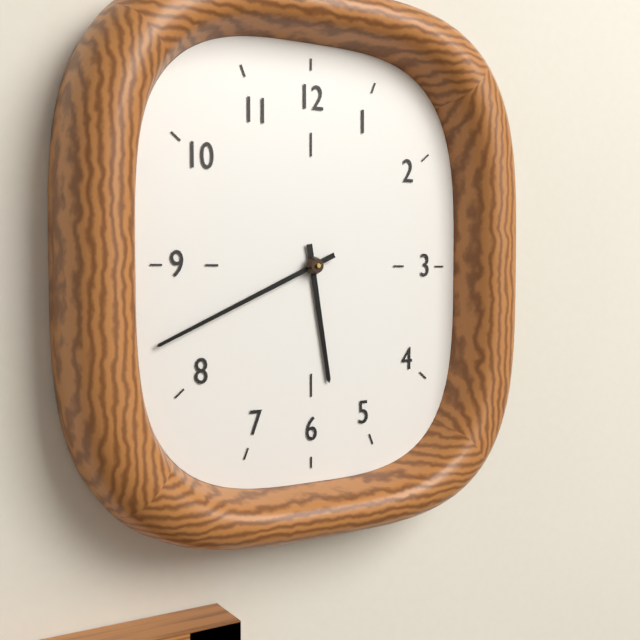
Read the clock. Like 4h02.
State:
5h41
